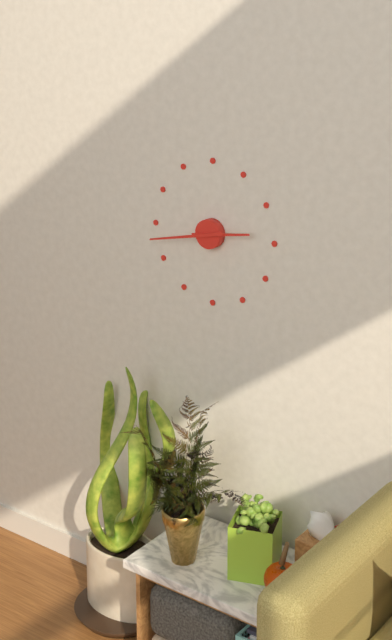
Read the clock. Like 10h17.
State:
2h43
